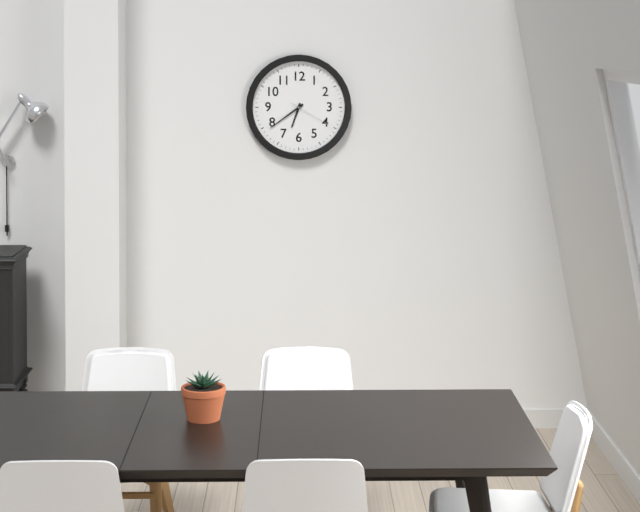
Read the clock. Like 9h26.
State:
6h39
